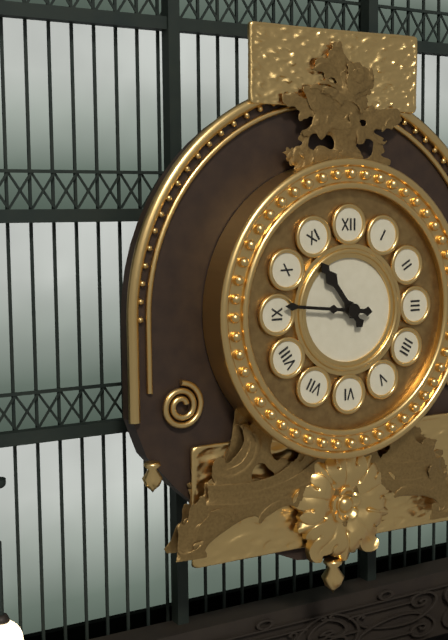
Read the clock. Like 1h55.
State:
10h46
